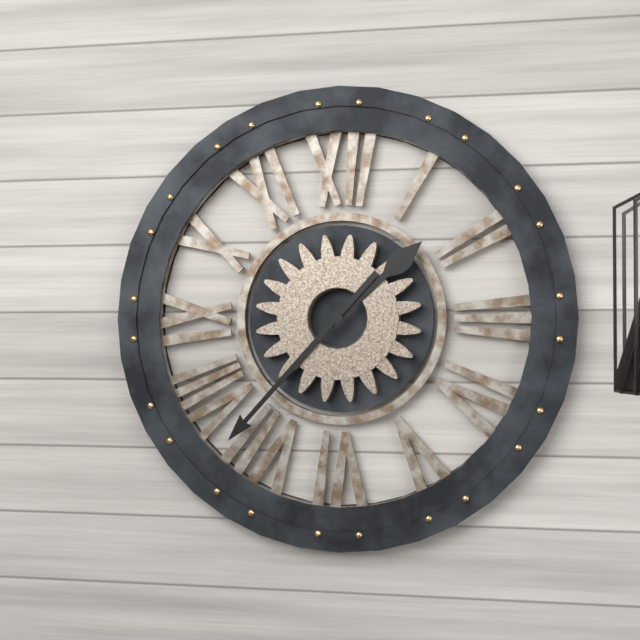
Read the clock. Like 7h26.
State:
1h37
